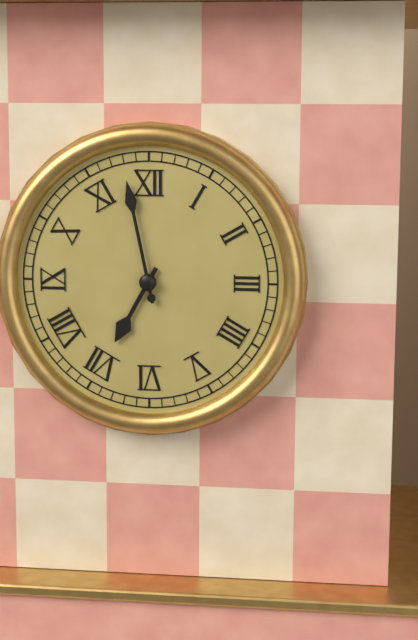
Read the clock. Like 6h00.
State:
6h58
